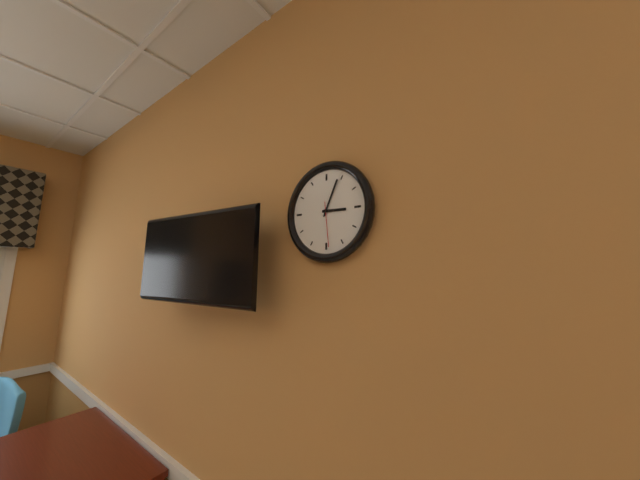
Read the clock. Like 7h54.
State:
3h04
